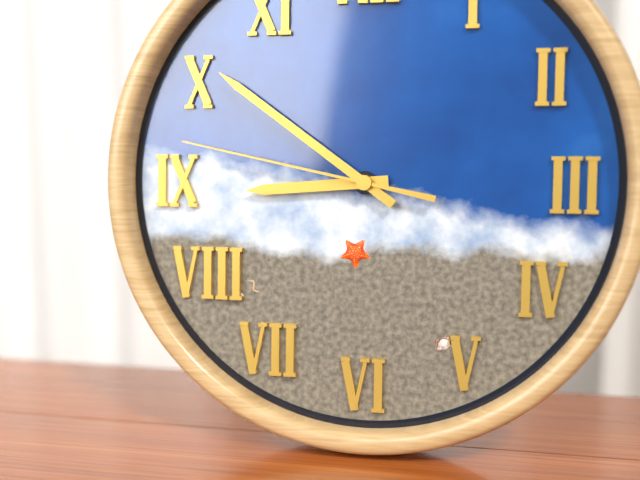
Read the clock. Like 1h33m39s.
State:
8h51m47s
